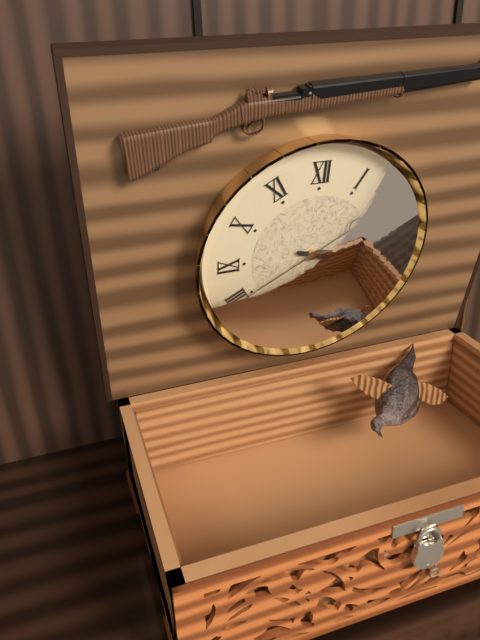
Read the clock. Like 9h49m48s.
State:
3h18m40s
